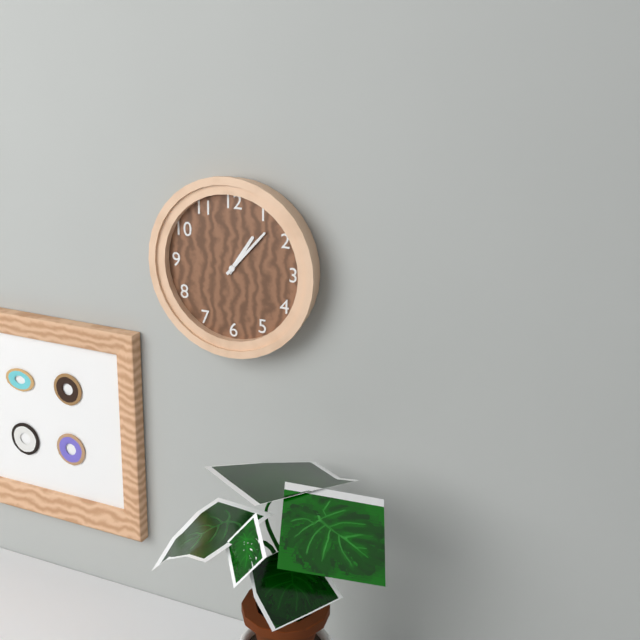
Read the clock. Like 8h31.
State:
1h07
